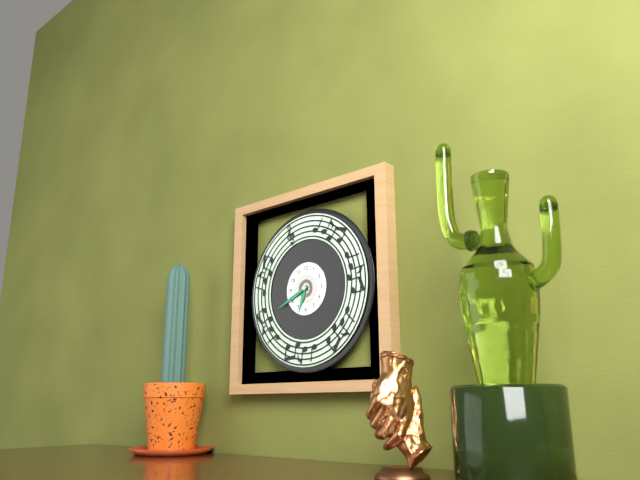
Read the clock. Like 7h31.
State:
6h41
